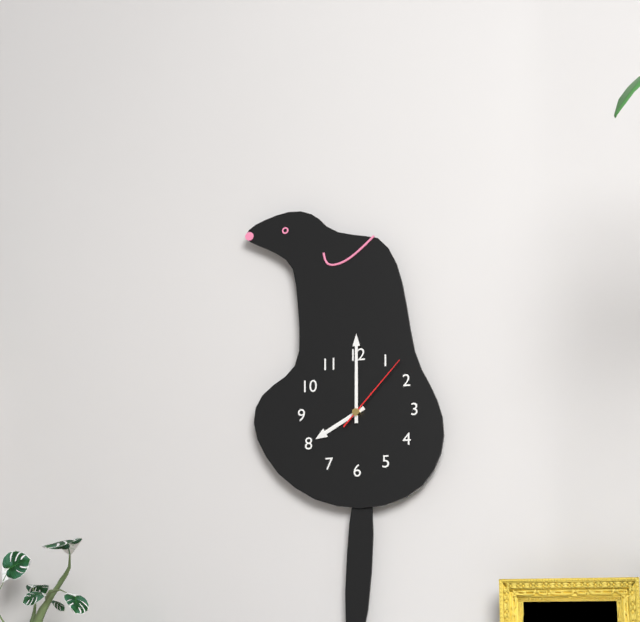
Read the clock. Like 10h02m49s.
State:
8h00m07s
